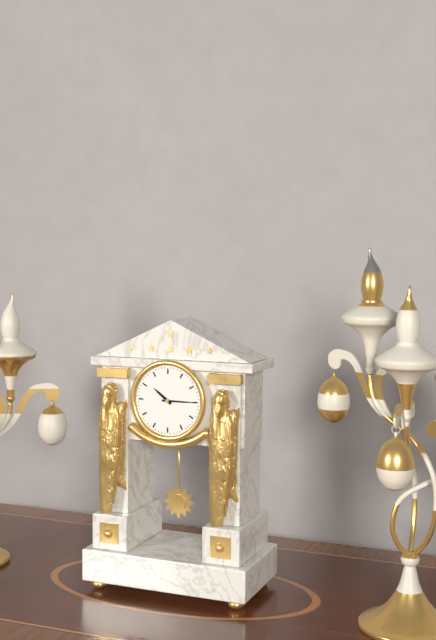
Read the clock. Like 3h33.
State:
10h15
